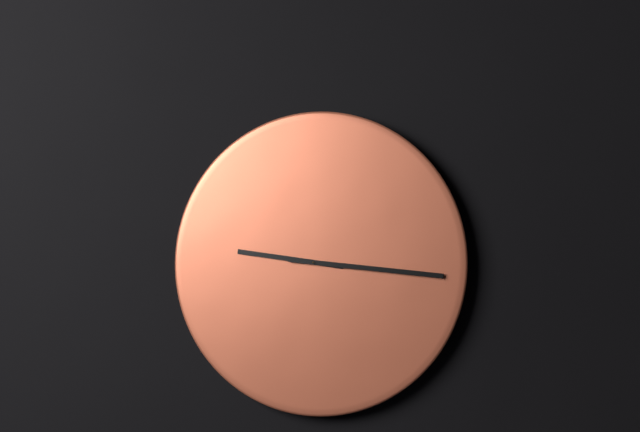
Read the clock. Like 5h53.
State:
9h16
